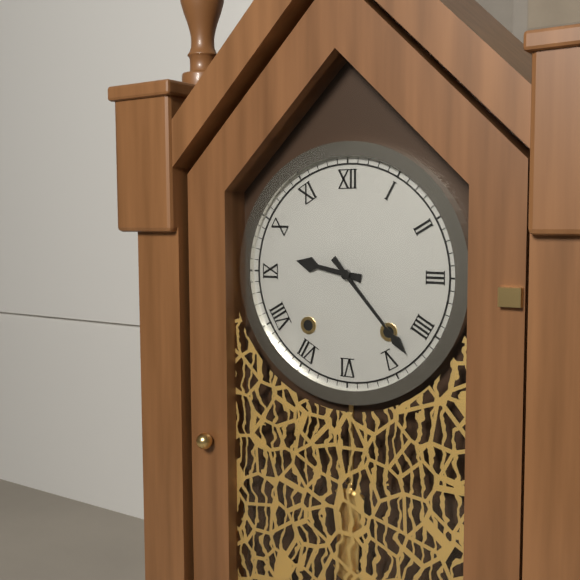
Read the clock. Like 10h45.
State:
9h23
